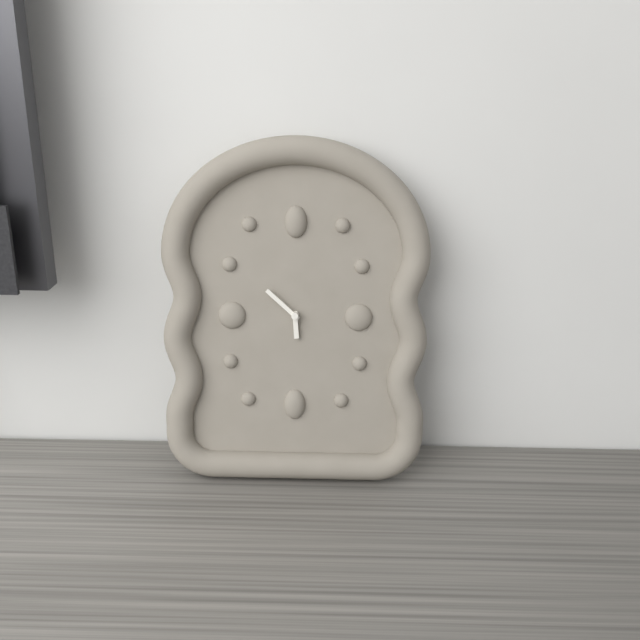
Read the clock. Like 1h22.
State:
5h52
